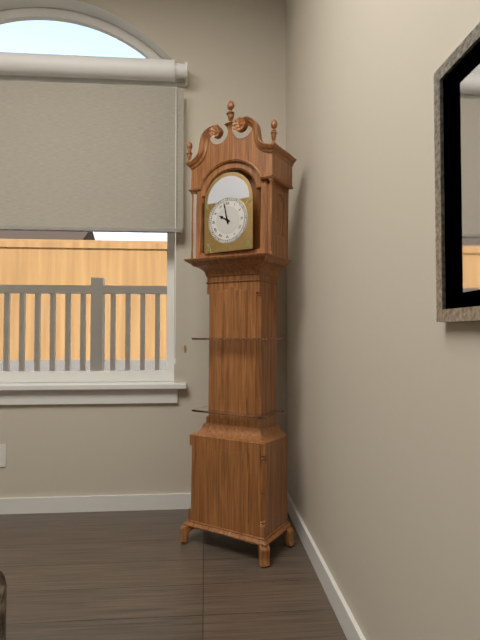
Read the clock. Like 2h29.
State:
9h58
